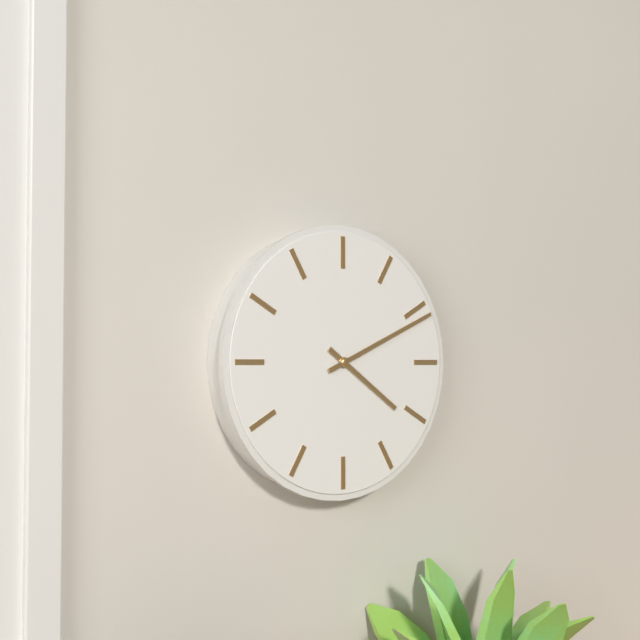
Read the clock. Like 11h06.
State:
4h11
